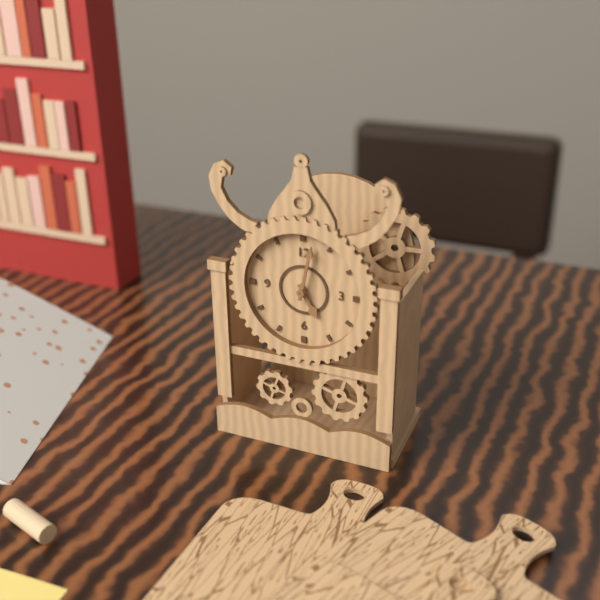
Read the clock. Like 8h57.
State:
5h02
